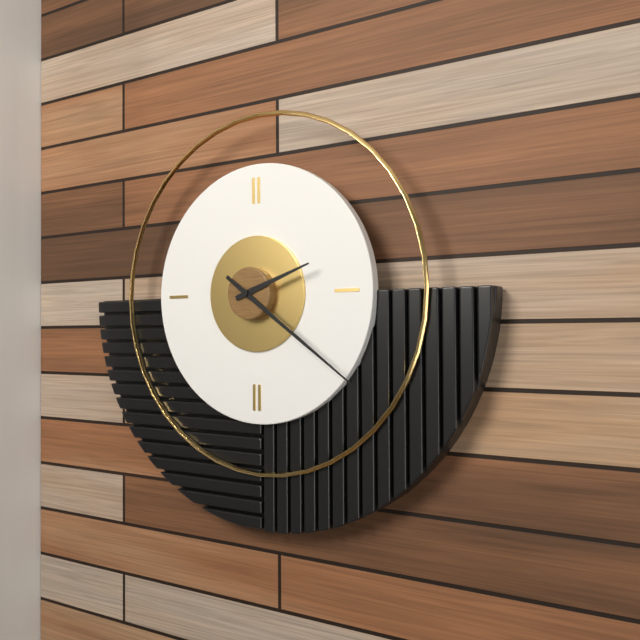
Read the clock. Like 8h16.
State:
2h21
